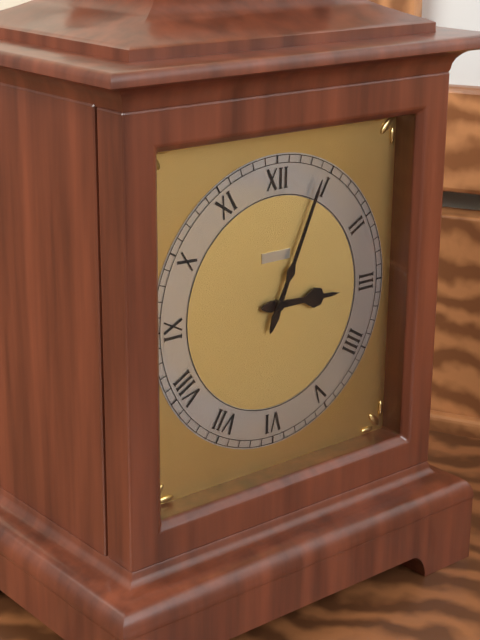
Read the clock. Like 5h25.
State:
3h04
